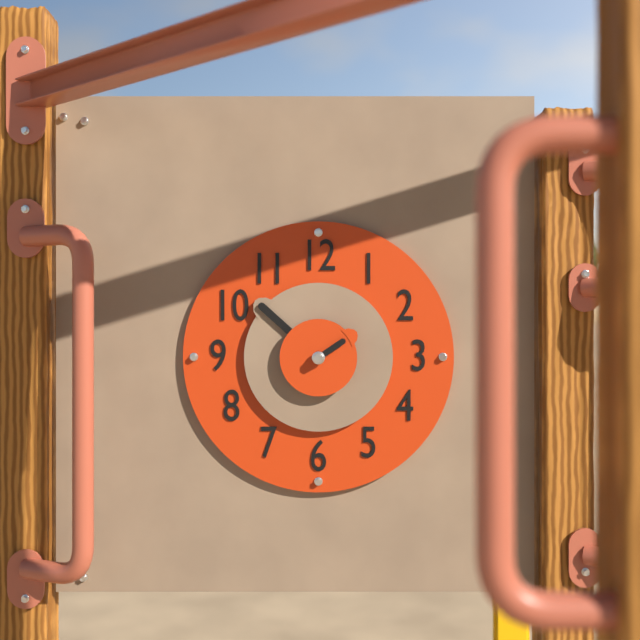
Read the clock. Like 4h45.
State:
1h52
